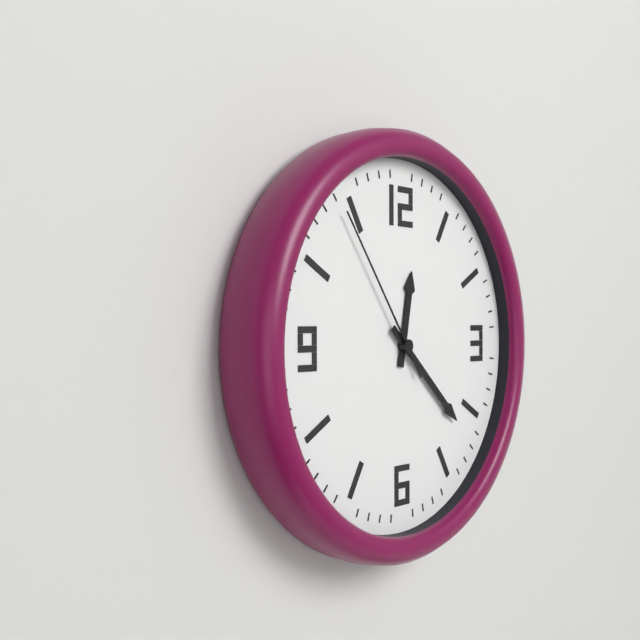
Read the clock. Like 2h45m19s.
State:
12h22m54s
